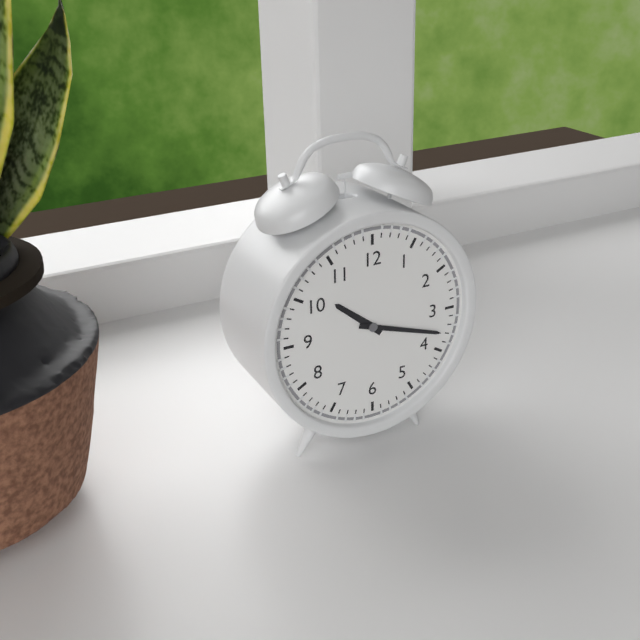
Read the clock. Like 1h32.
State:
10h18
